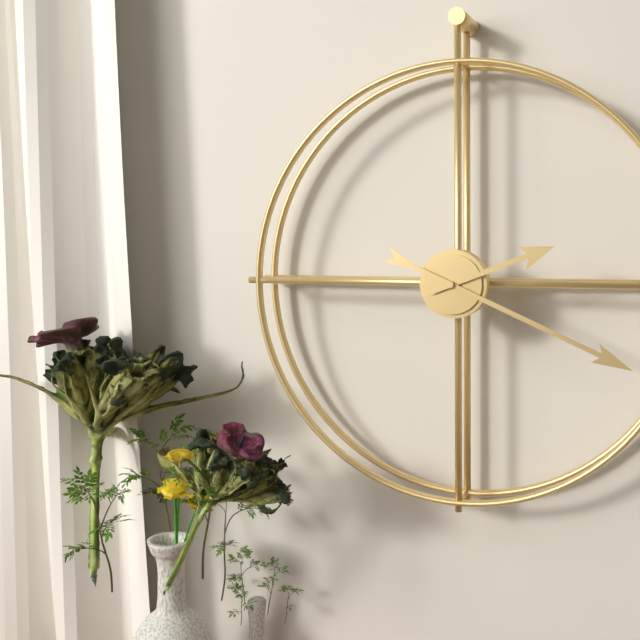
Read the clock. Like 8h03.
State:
2h19
